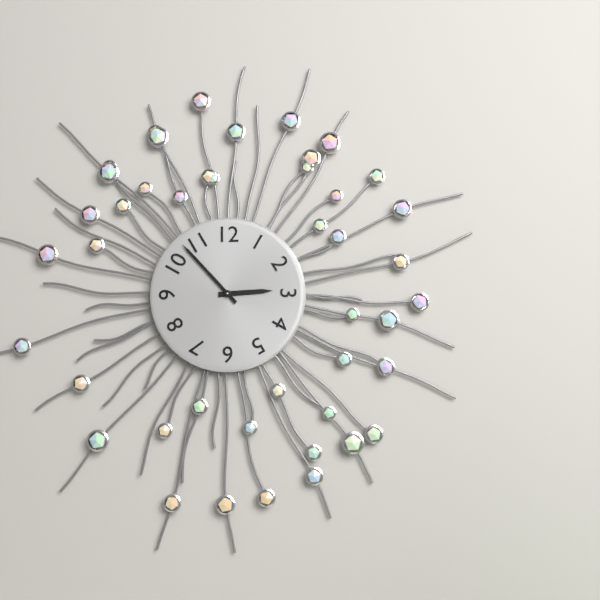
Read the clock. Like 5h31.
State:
2h53
